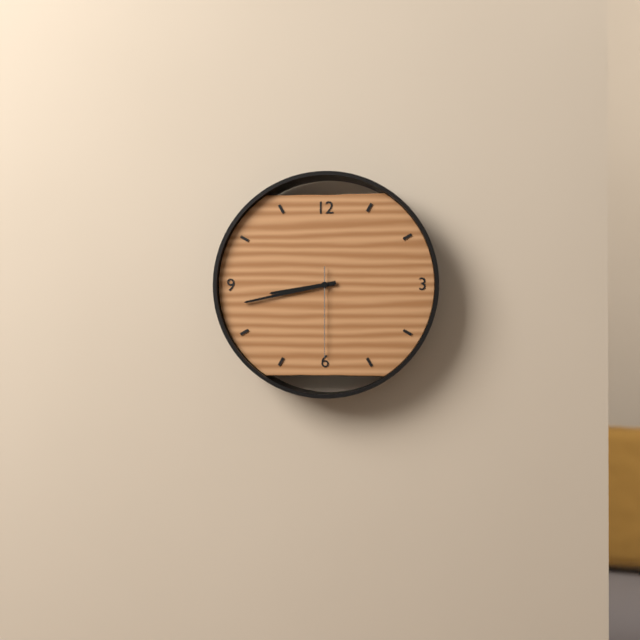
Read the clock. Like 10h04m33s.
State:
8h43m30s
